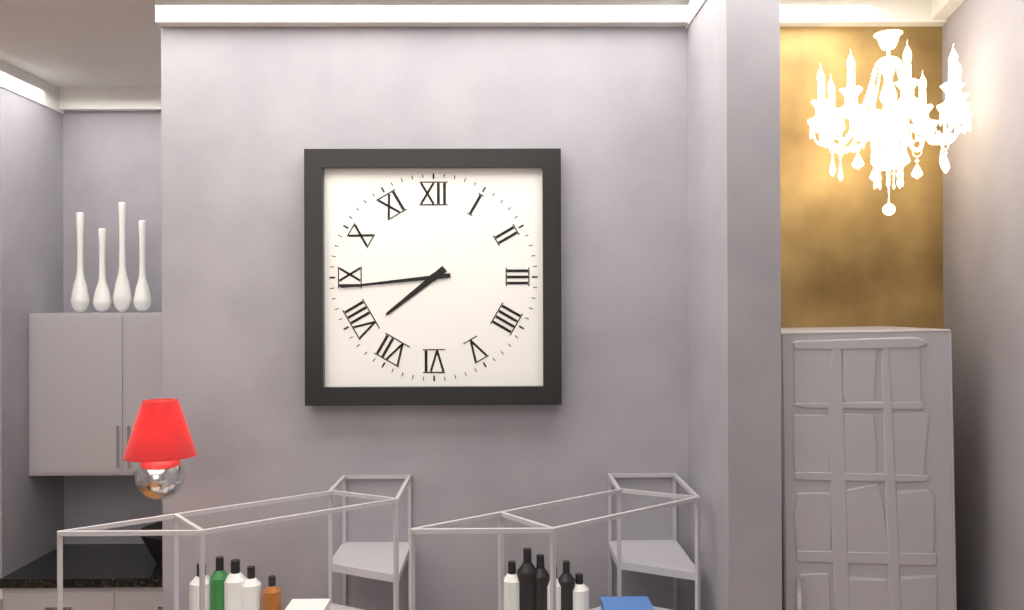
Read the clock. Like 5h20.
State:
7h44
